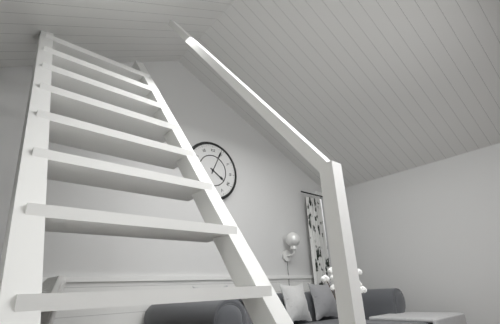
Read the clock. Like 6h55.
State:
4h04
